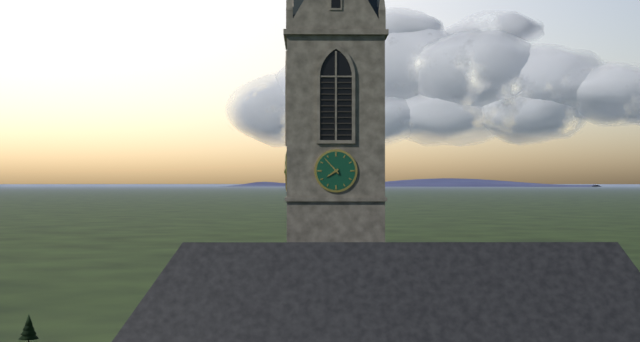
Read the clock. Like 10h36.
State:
7h53
